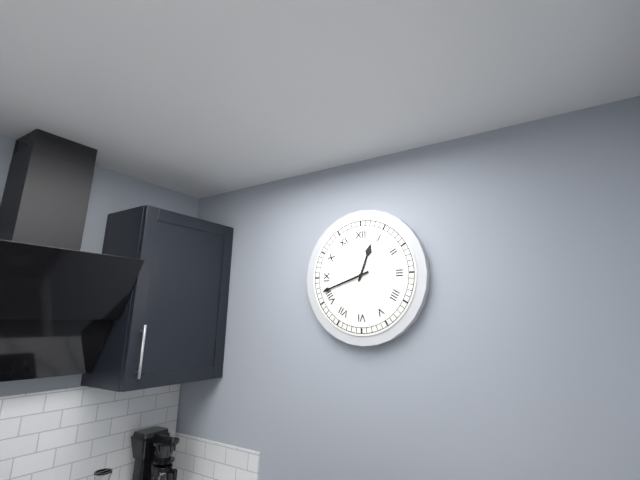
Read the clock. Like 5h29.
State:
12h42
